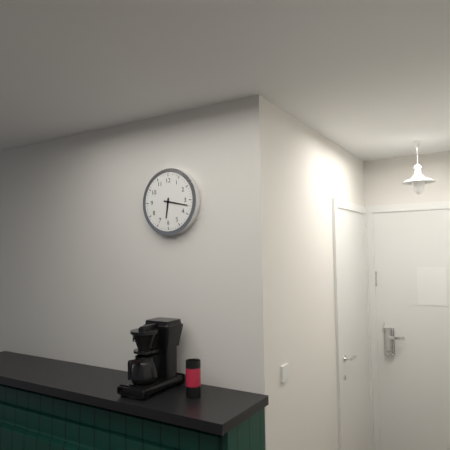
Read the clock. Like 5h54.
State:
6h17
